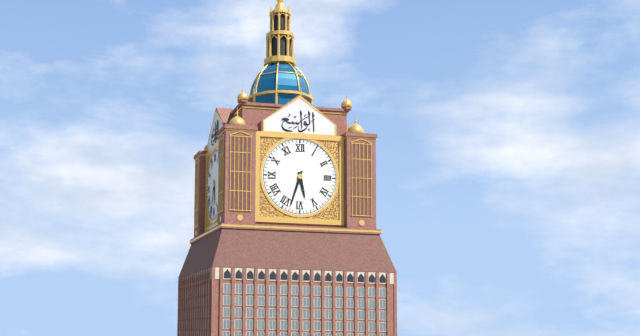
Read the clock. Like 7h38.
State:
5h33
